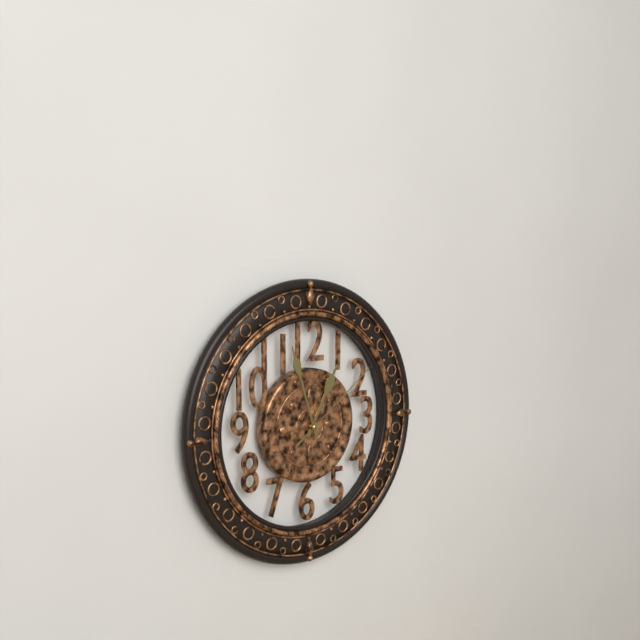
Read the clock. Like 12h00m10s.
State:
12h57m09s
